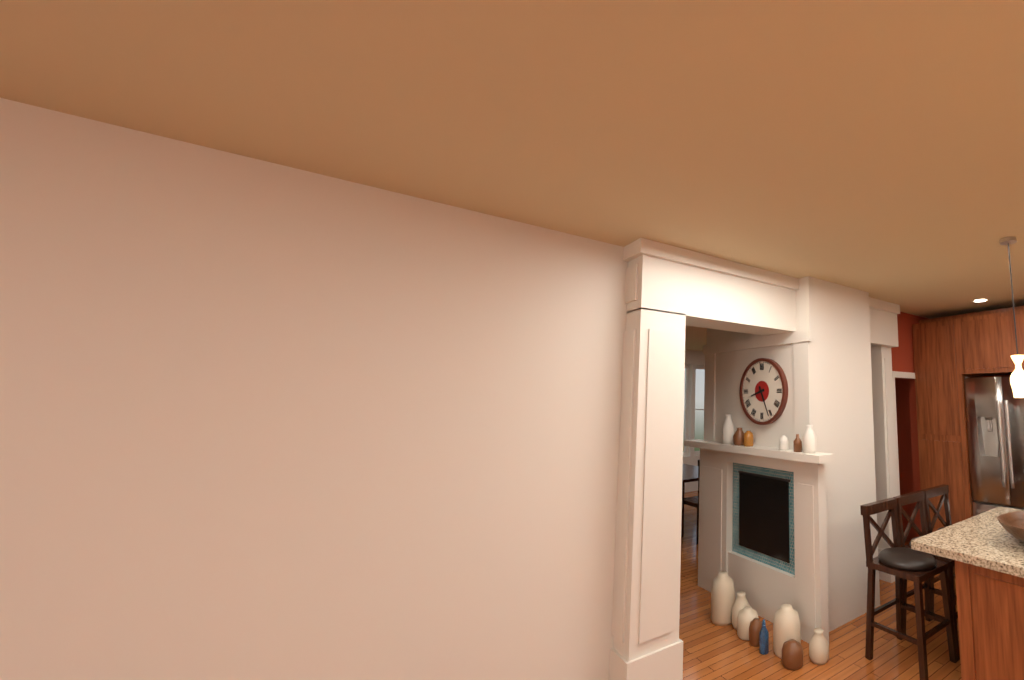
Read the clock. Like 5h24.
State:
8h26
